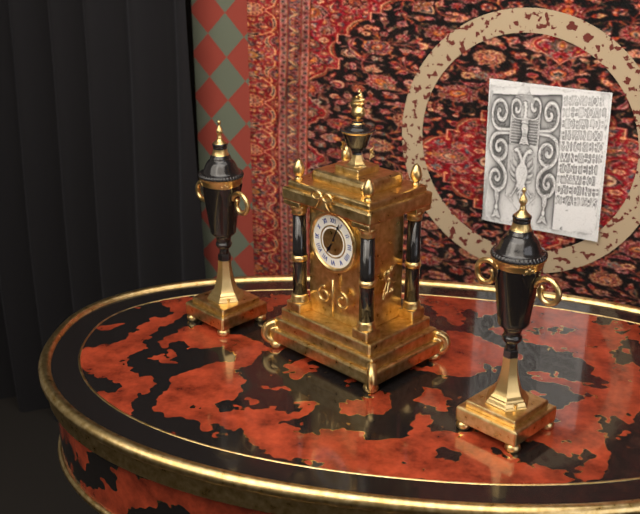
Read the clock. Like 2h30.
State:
7h04
